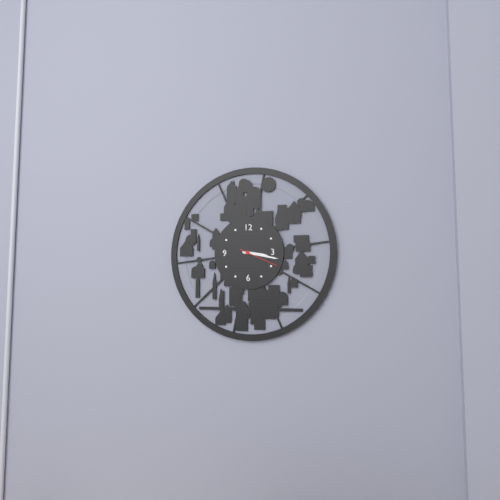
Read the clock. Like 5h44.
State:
3h17
